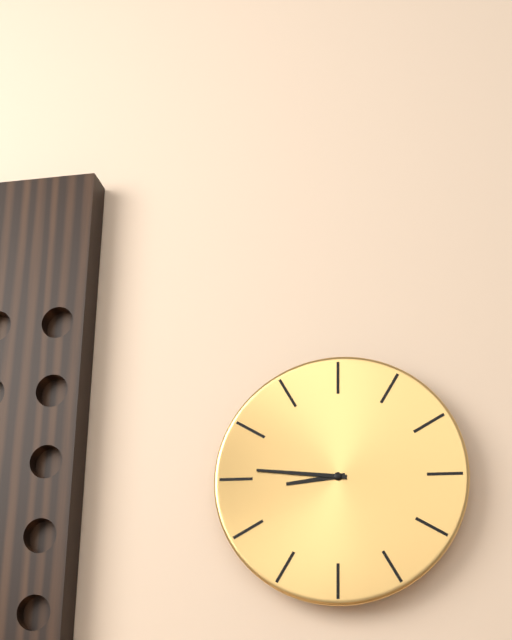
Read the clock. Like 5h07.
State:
8h46
